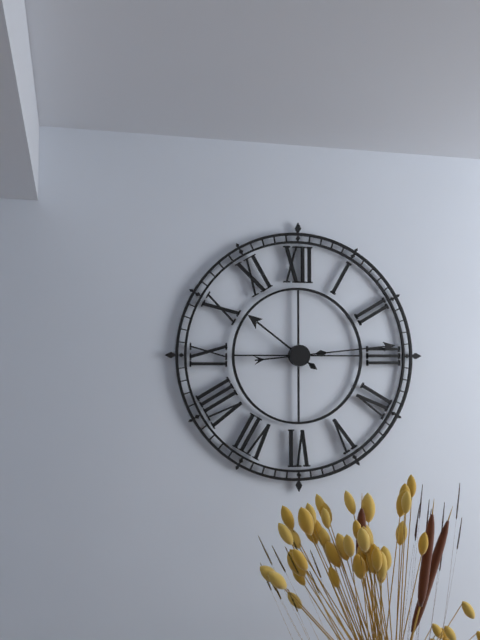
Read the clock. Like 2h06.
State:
10h14
